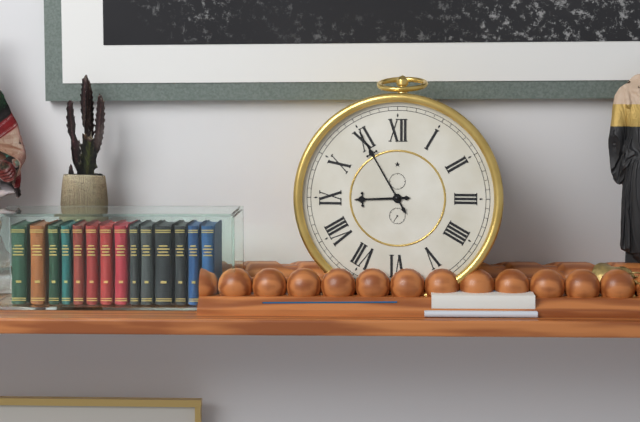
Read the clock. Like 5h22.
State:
8h55
